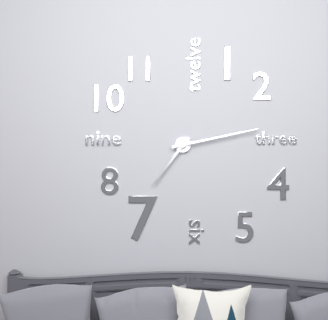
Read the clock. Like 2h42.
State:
7h13
